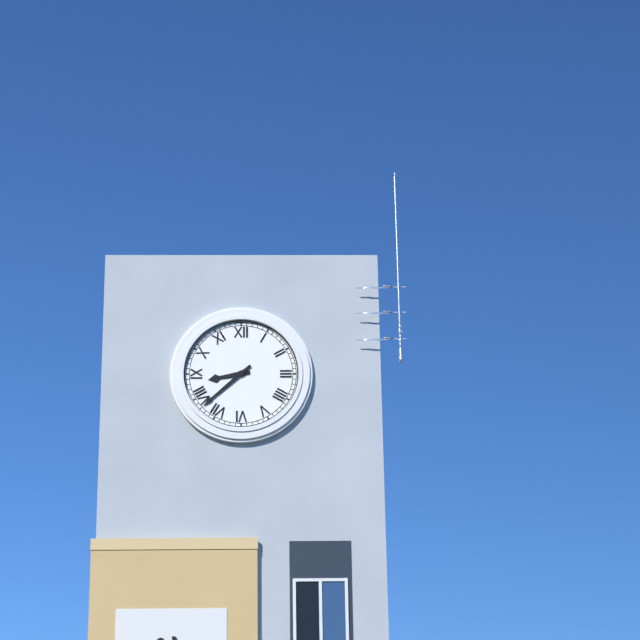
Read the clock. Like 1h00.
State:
8h38
